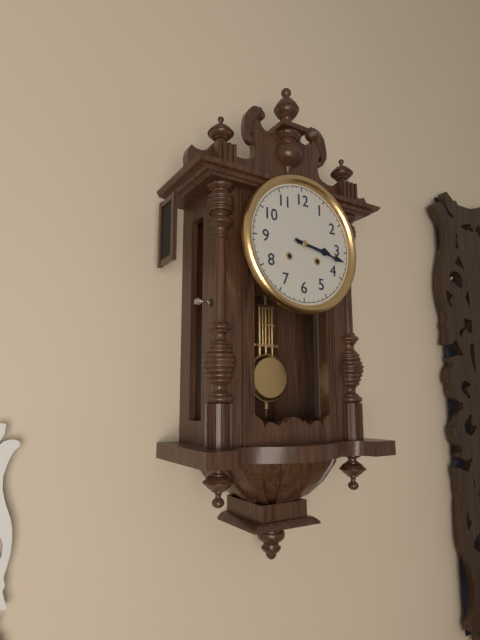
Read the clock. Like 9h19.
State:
3h17
